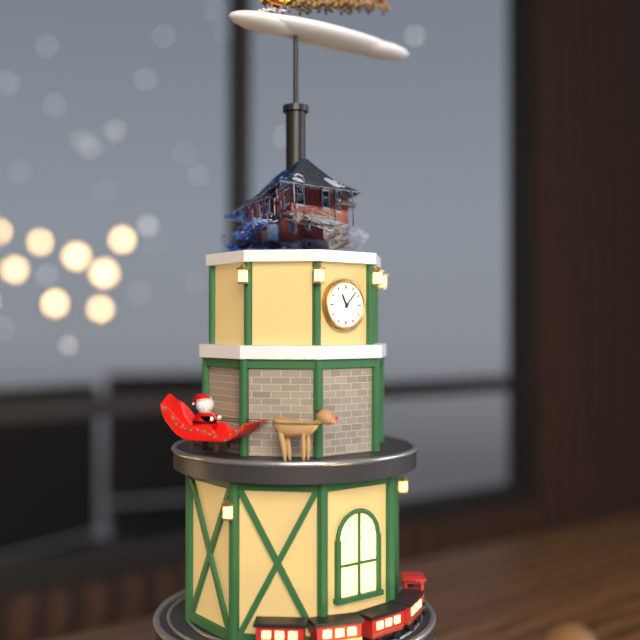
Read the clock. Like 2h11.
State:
11h07
